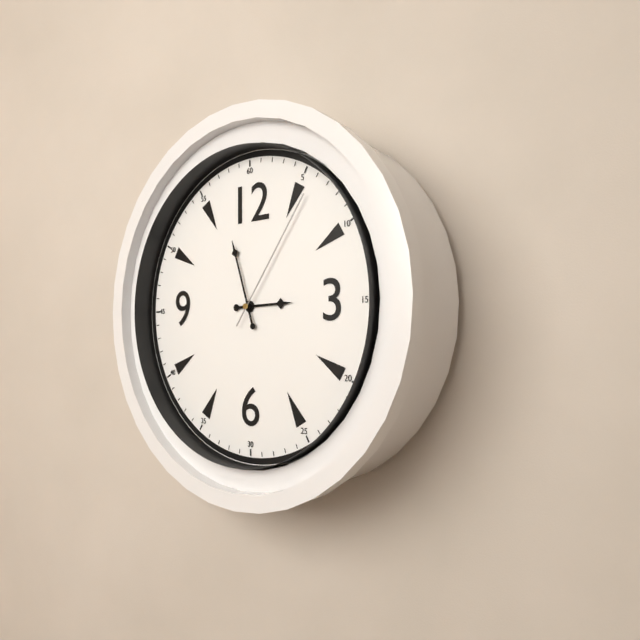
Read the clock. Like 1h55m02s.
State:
2h57m06s
